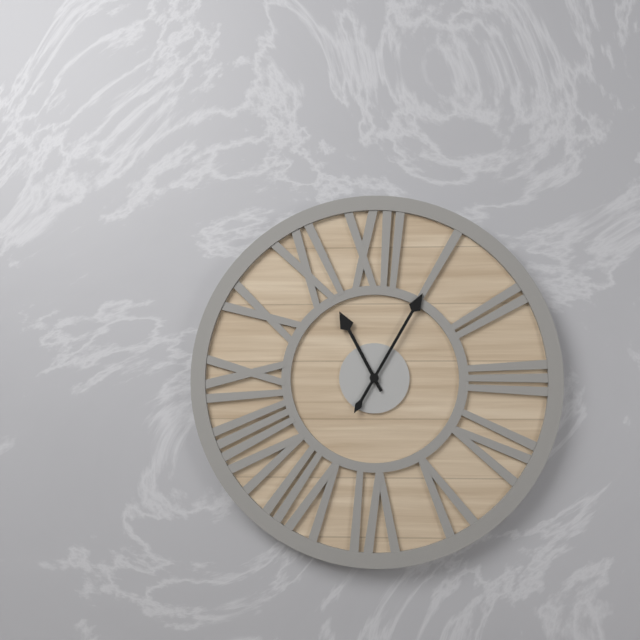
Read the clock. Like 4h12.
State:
11h05
